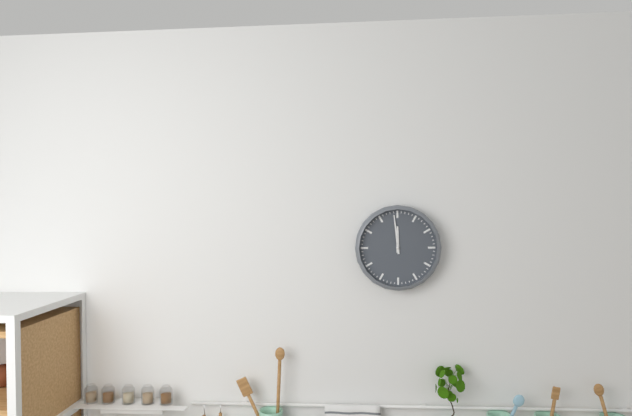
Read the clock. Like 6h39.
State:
11h59
